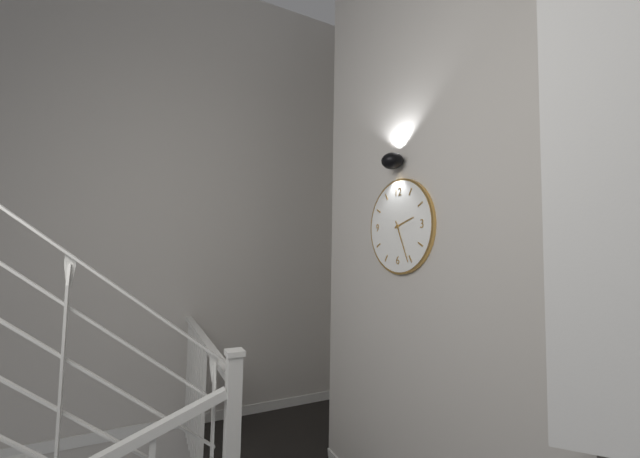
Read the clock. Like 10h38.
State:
2h26
